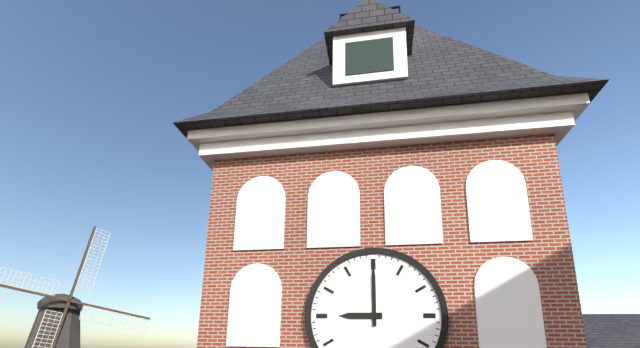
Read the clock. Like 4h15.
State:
9h00
